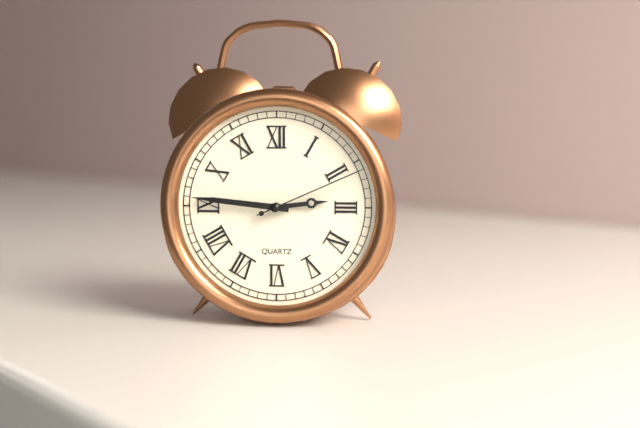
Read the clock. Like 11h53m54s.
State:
2h46m11s
